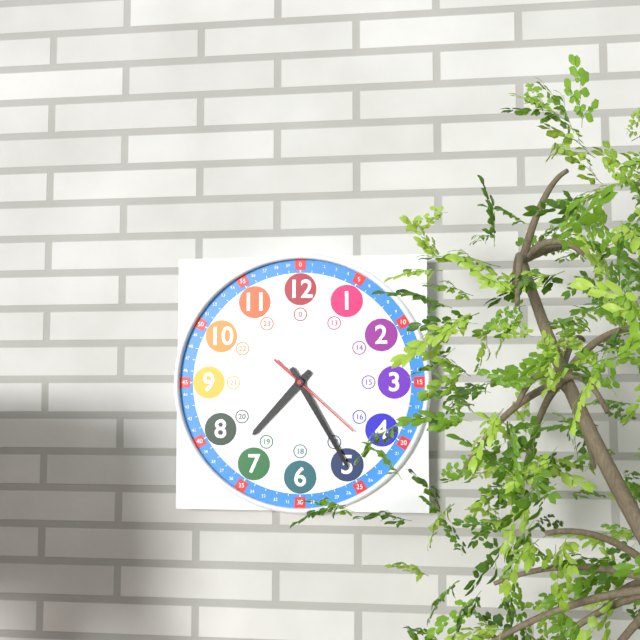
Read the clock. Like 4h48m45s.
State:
7h25m22s
